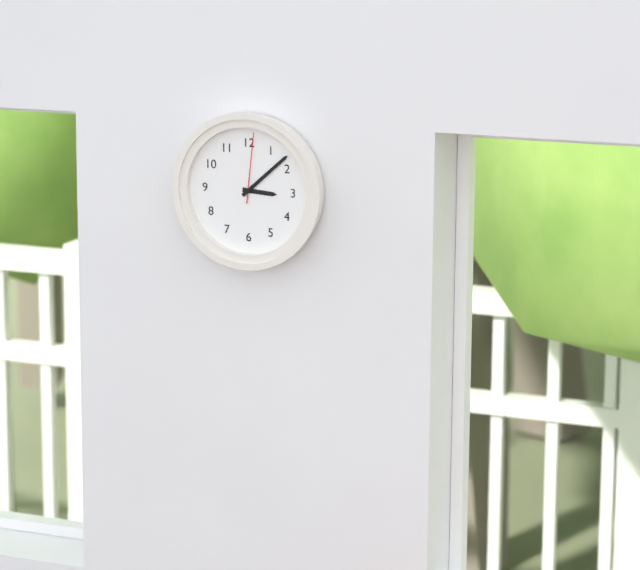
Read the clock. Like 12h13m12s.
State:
3h08m01s
